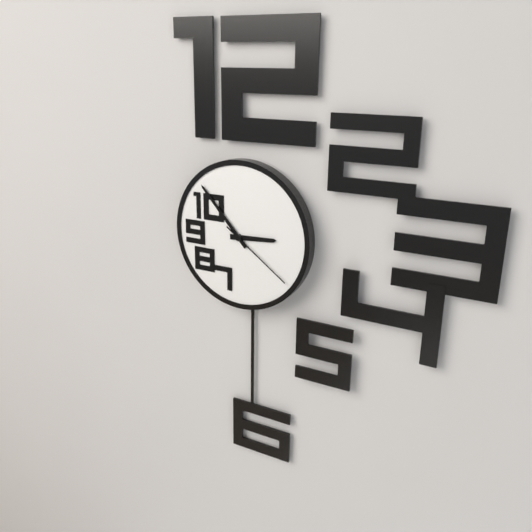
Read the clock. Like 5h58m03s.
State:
2h53m21s
